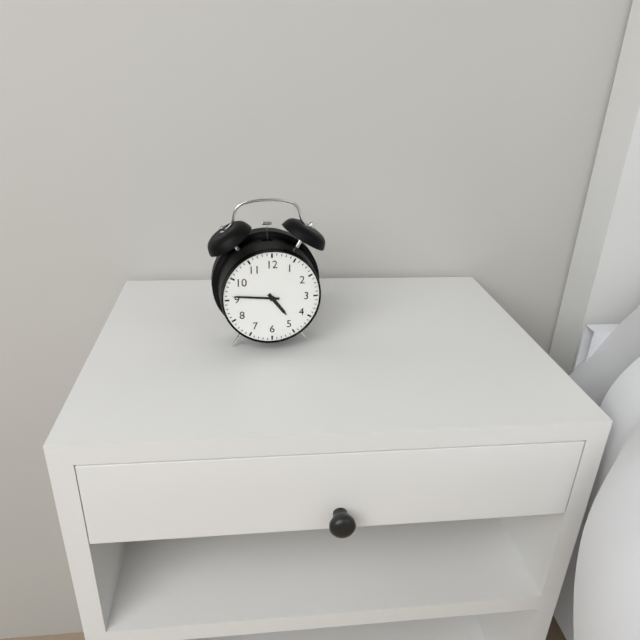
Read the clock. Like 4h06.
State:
4h46
